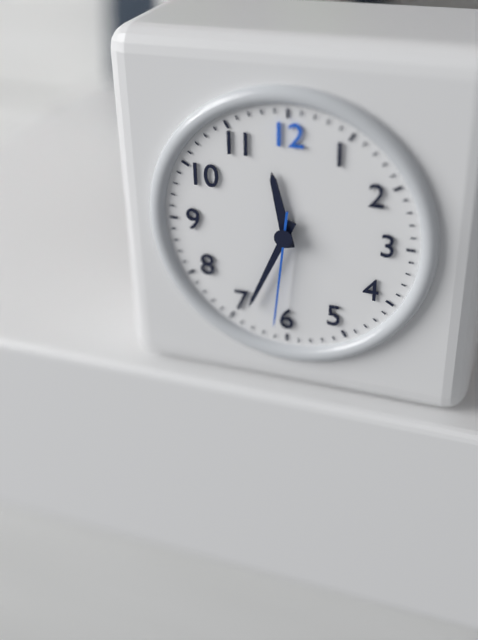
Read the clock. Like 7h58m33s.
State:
11h34m31s
